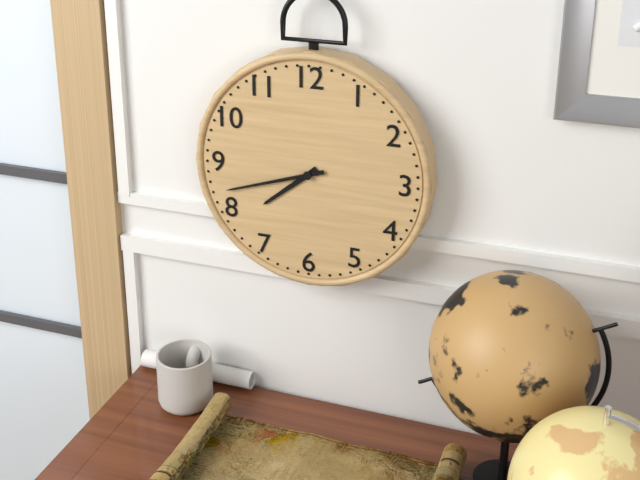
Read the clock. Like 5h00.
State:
7h42
